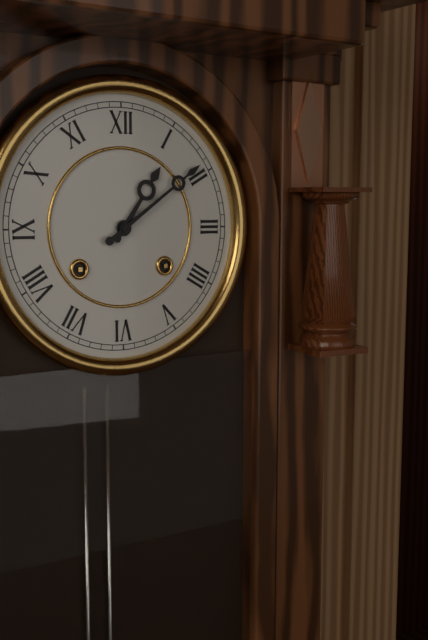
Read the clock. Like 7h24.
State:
1h09
